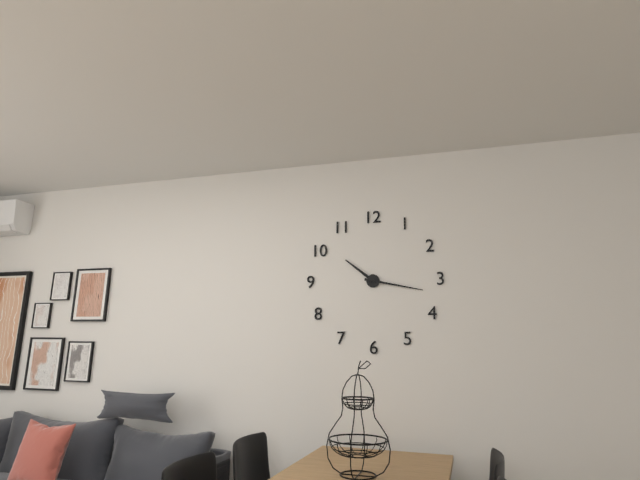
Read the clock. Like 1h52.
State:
10h17
